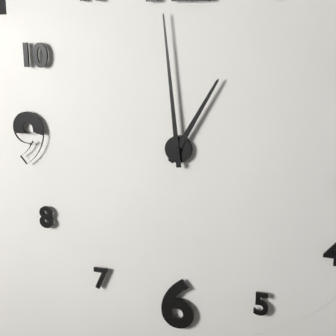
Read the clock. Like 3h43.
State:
12h59
